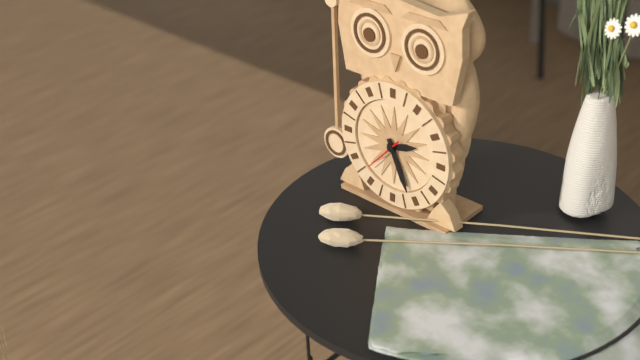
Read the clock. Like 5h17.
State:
2h26
